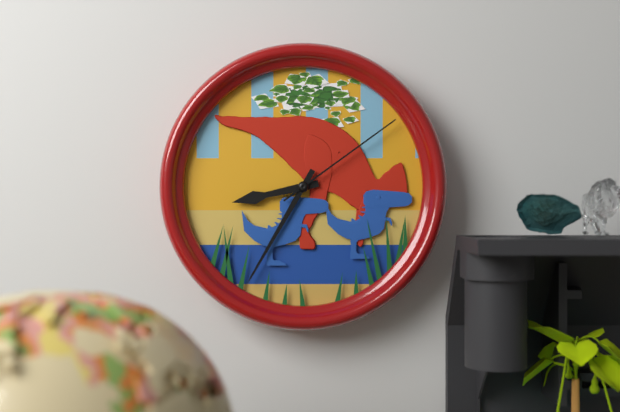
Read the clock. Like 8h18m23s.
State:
8h35m09s
